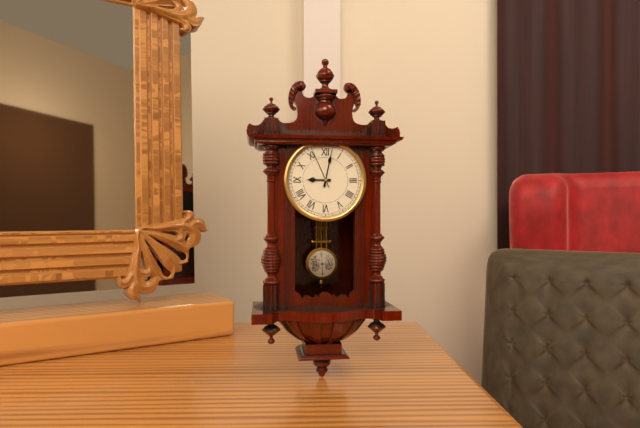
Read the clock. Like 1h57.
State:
9h02
